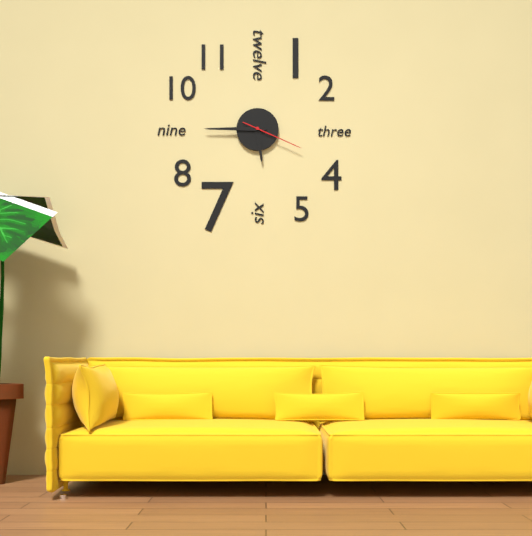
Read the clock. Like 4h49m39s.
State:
5h45m19s
